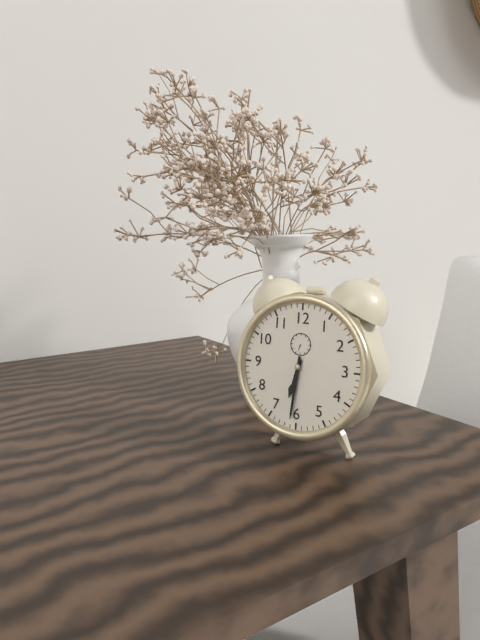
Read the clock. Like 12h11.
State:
6h31
